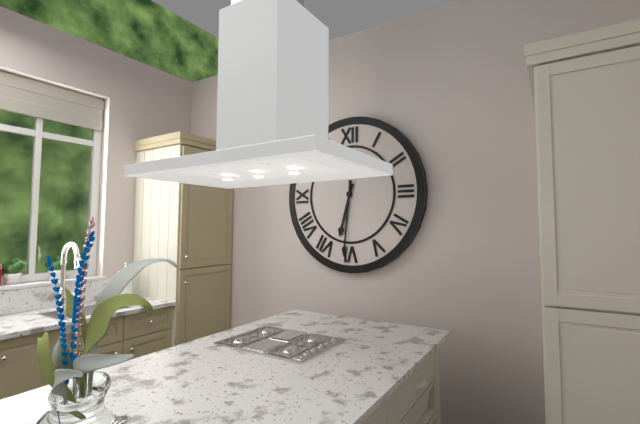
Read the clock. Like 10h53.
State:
6h31
